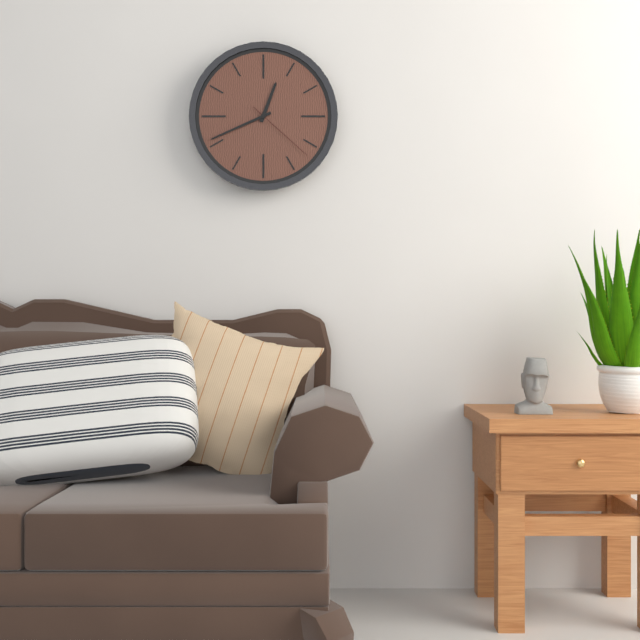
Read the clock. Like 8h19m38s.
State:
12h41m22s
